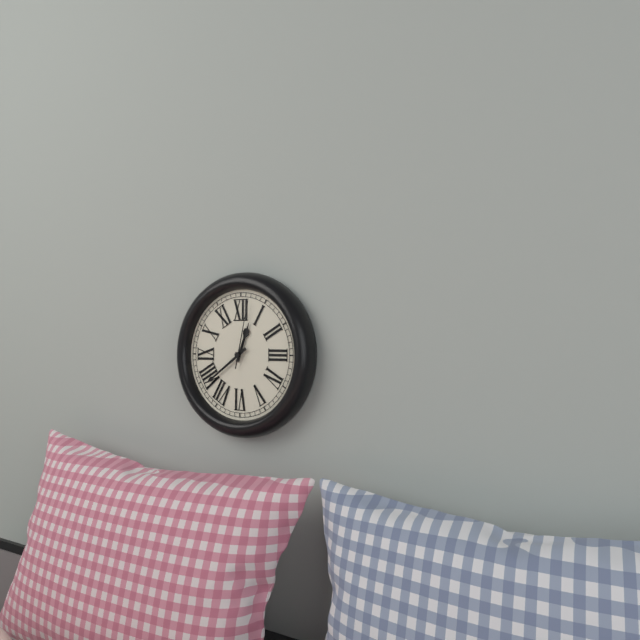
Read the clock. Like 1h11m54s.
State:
12h39m02s
